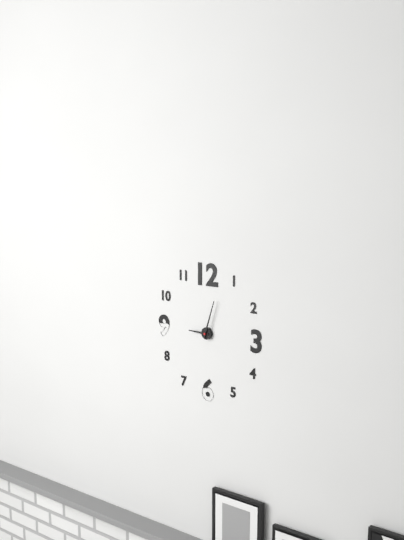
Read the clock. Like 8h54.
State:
9h03
